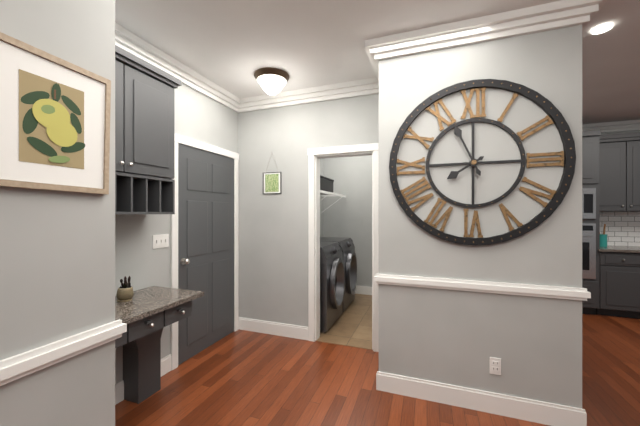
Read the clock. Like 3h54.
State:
7h56
